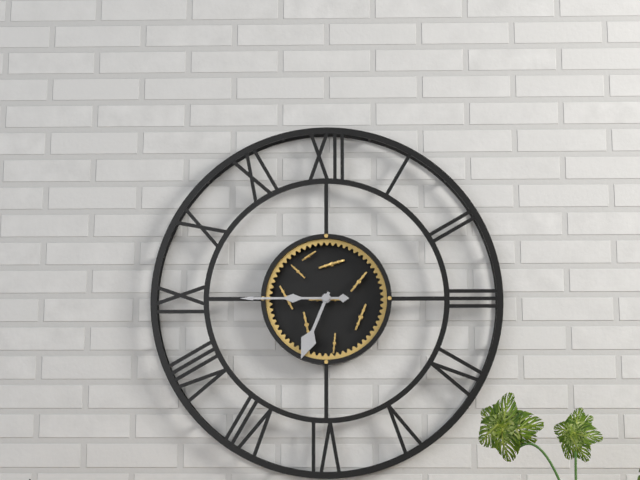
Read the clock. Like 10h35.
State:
6h45
